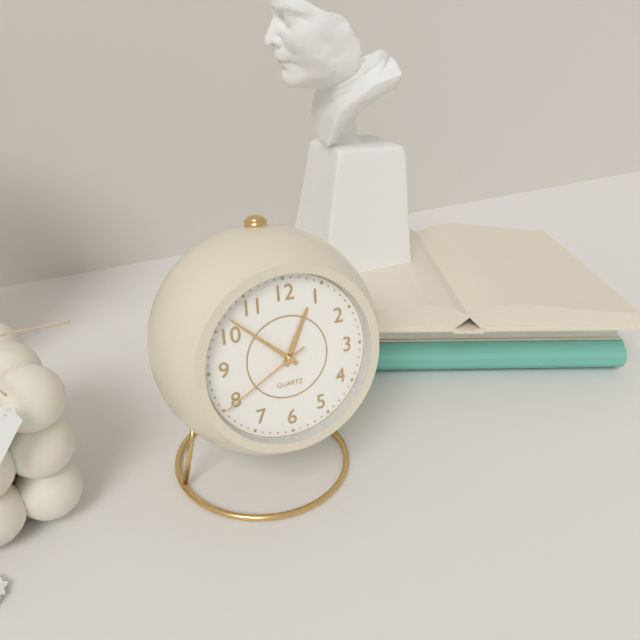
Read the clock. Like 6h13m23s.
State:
12h52m40s
